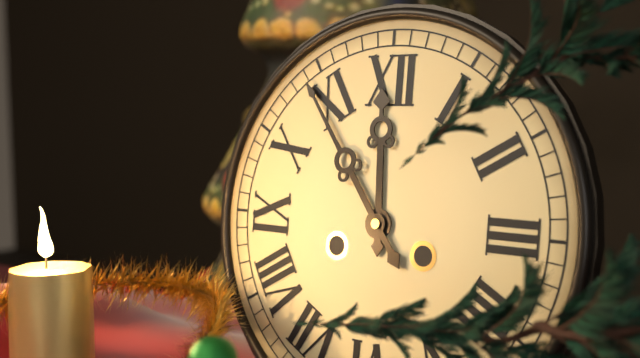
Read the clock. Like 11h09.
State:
11h54
